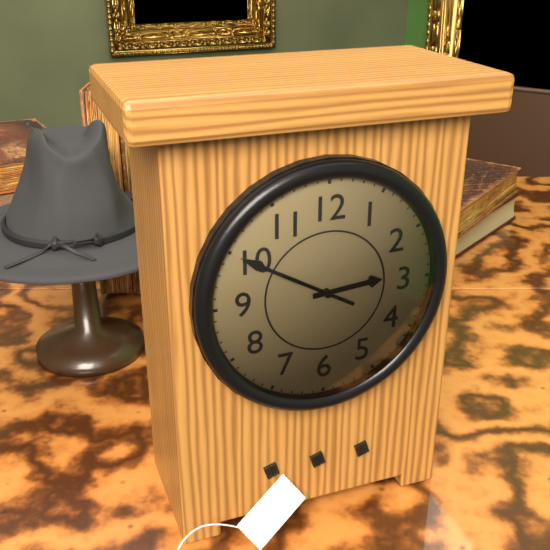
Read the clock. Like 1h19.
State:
2h50
